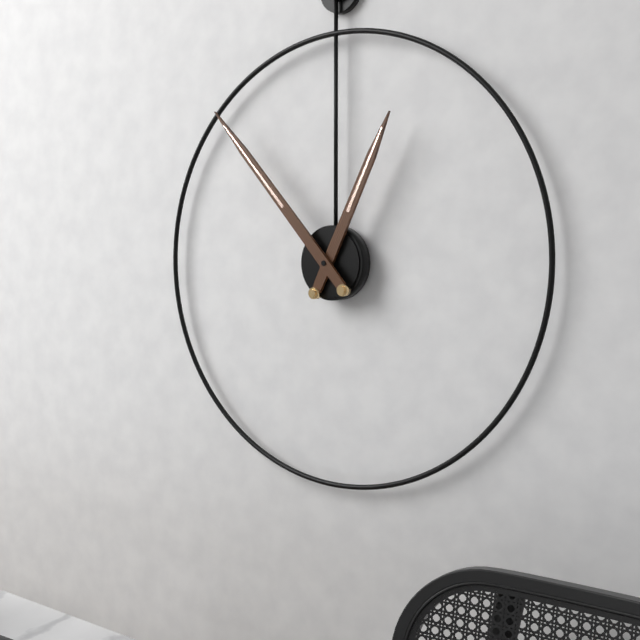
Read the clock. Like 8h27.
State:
12h53
